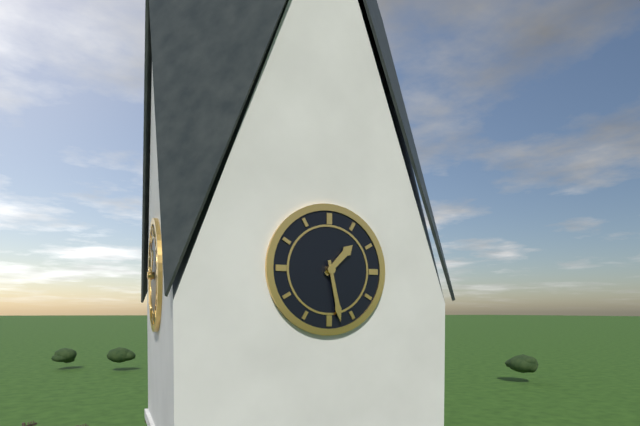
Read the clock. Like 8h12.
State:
1h28
